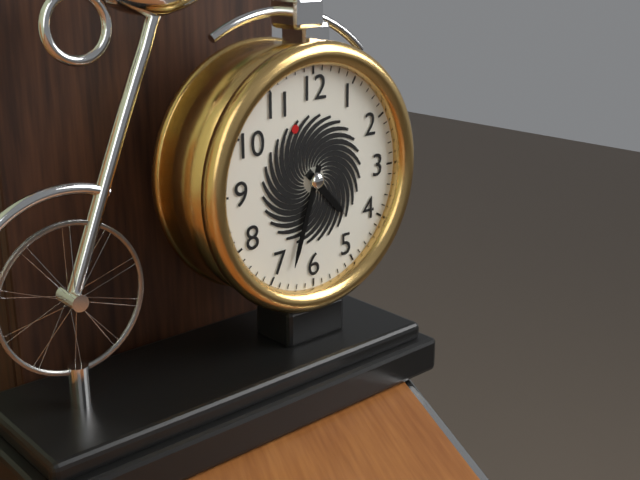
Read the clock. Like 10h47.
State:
4h33
